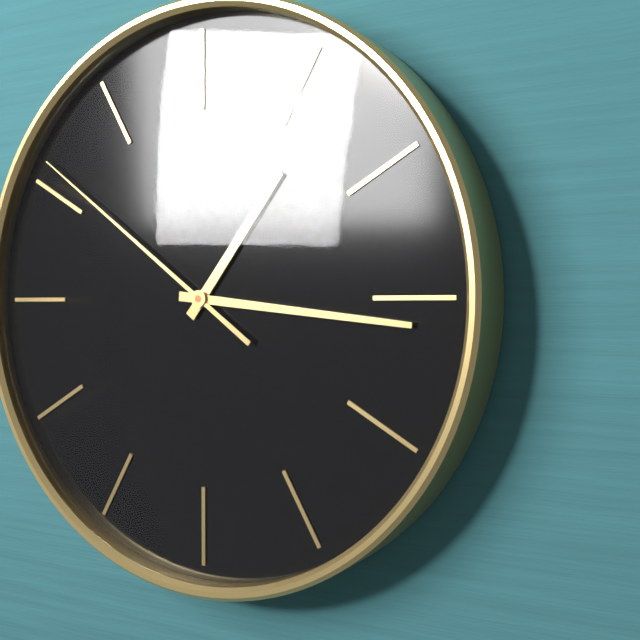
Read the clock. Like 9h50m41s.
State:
1h16m51s
